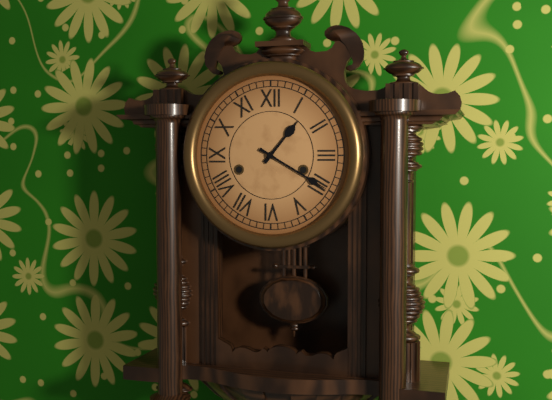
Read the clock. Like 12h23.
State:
1h20
